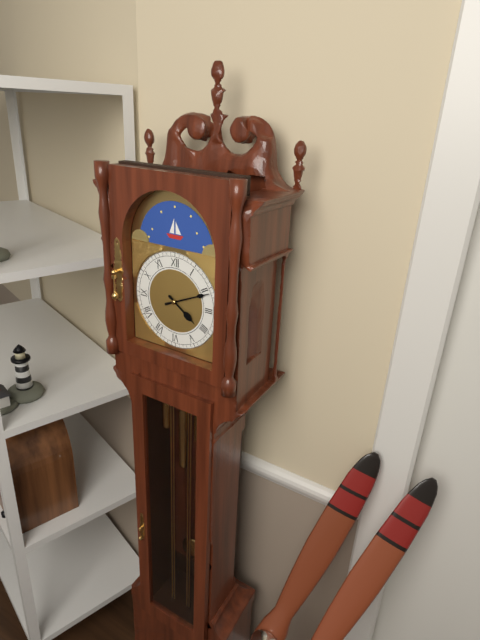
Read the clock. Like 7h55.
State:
4h11
